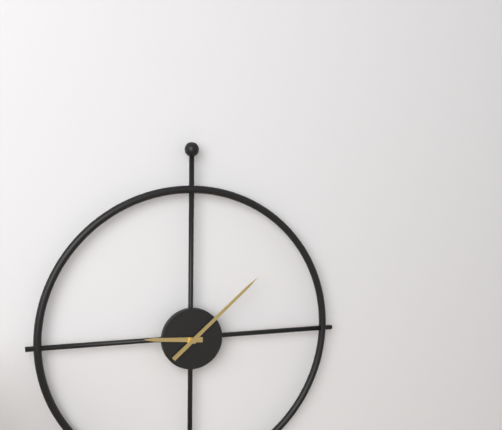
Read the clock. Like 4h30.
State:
9h08
